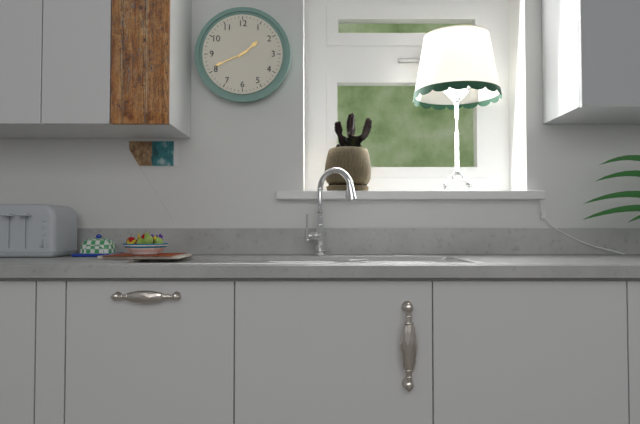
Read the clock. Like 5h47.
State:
1h41
